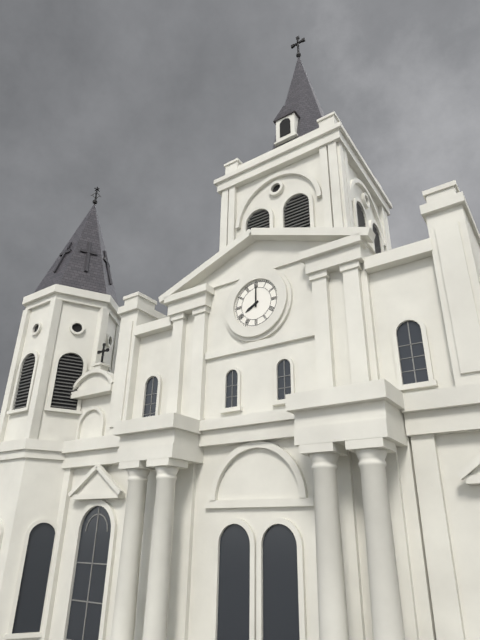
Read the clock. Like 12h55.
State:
8h00
